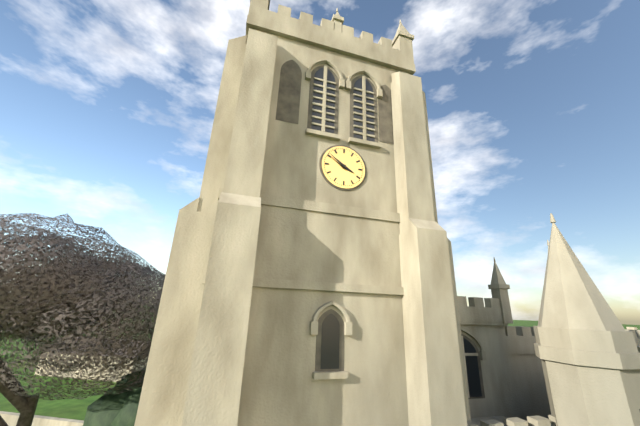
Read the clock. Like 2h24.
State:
3h51
